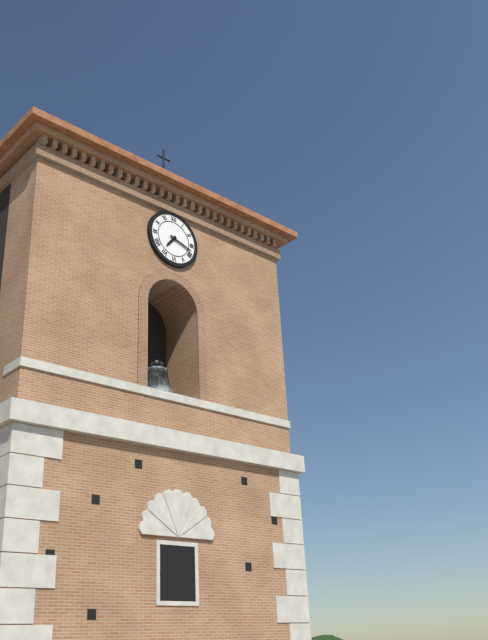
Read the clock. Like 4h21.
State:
7h18
